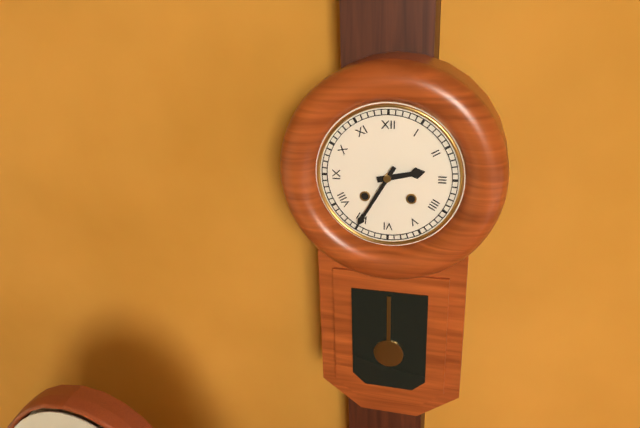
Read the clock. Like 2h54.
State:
2h35
